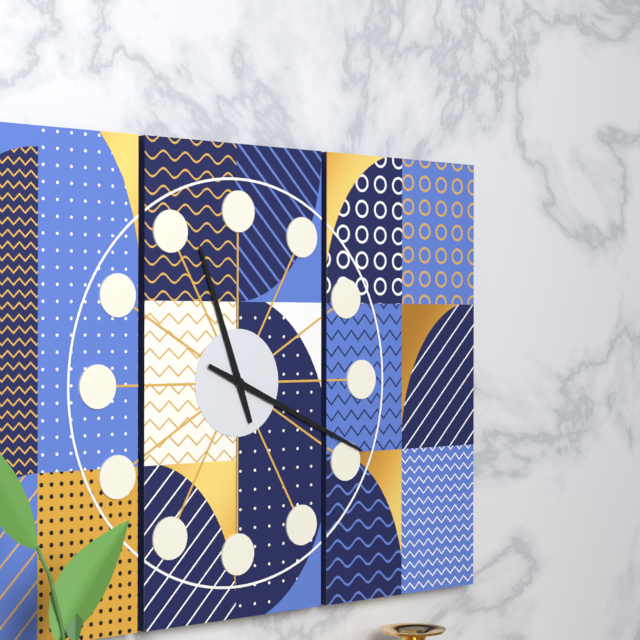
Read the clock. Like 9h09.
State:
11h19
